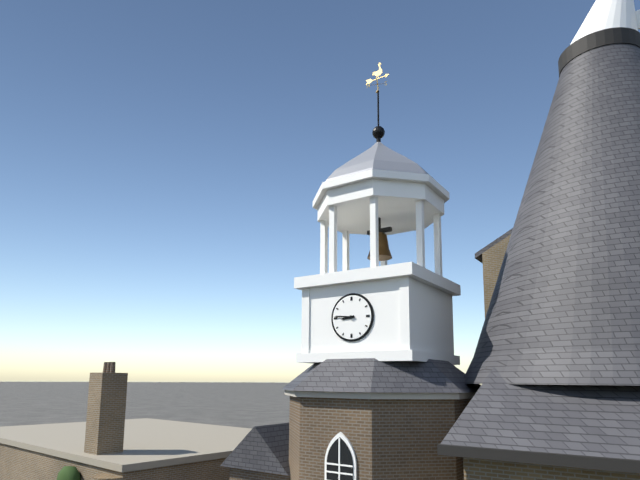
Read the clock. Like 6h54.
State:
8h46
